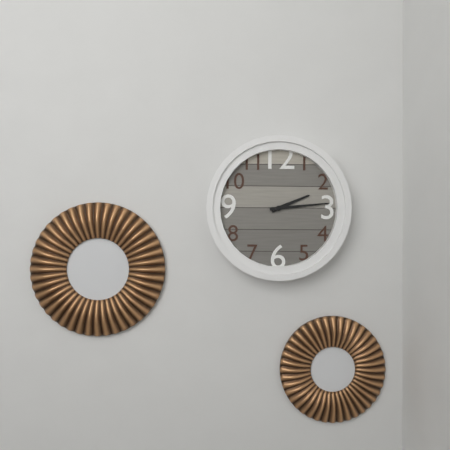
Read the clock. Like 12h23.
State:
2h14
